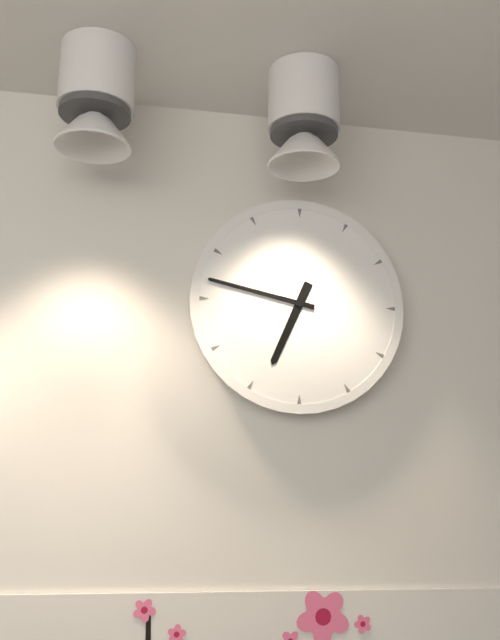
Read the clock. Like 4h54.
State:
6h47
